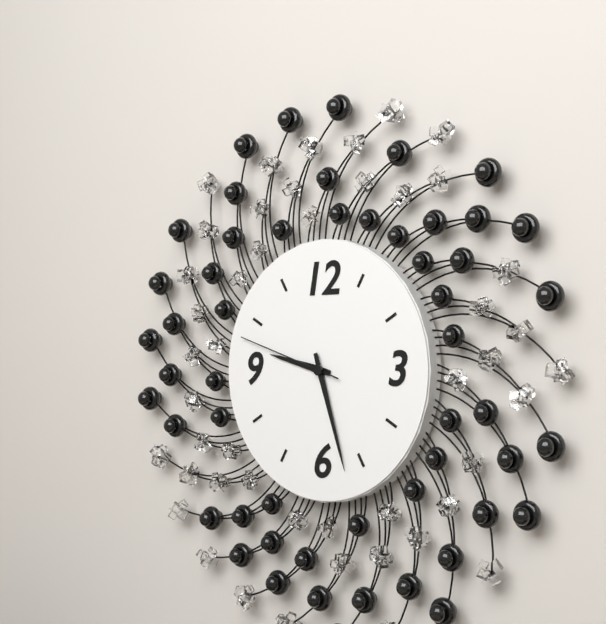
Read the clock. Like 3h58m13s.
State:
9h27m48s
